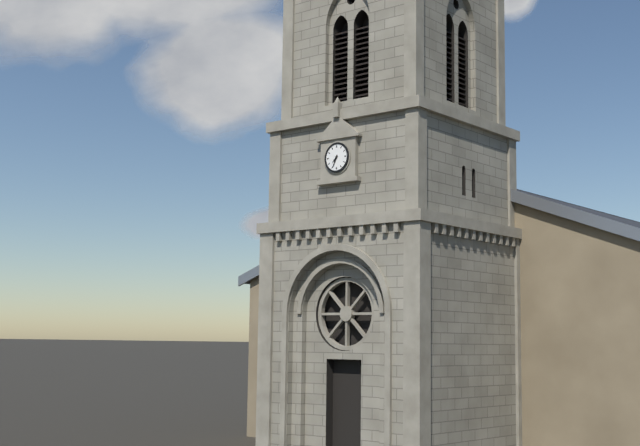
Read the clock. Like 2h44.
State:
7h34
